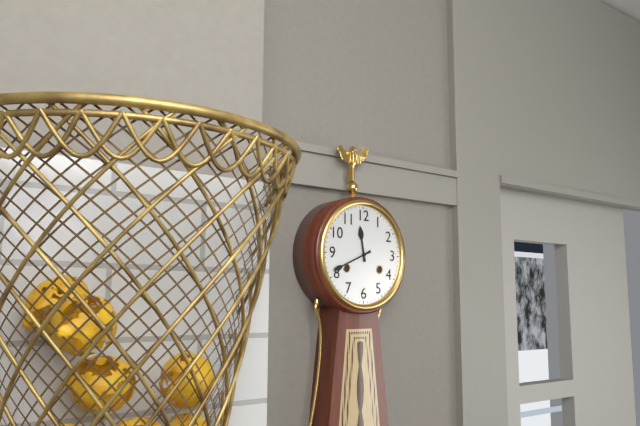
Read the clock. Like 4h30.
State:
11h41
